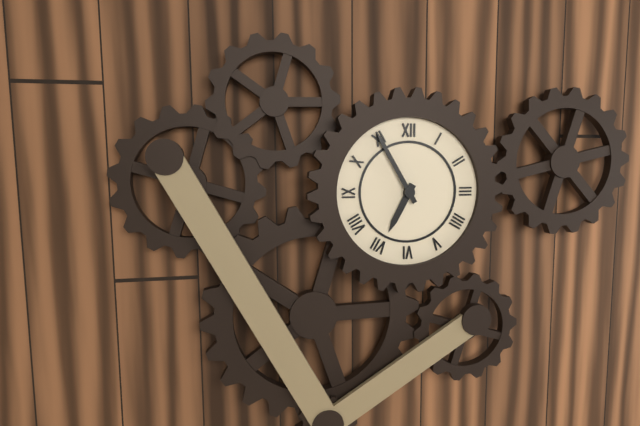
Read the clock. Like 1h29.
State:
6h55
